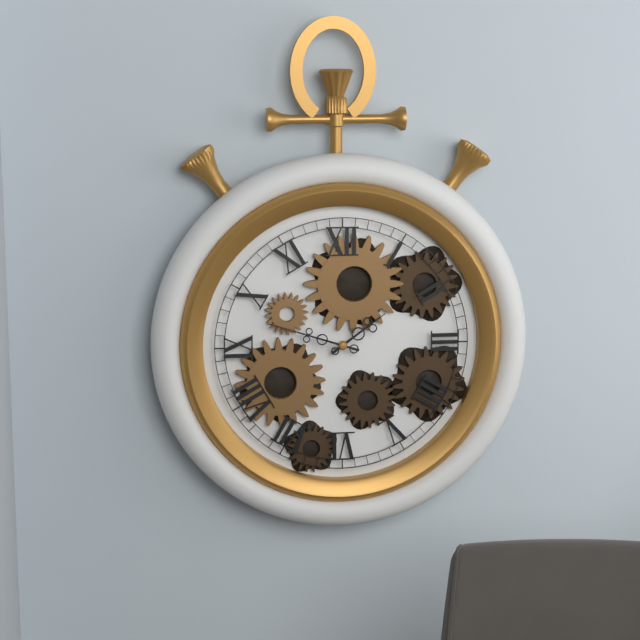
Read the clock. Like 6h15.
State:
1h48
